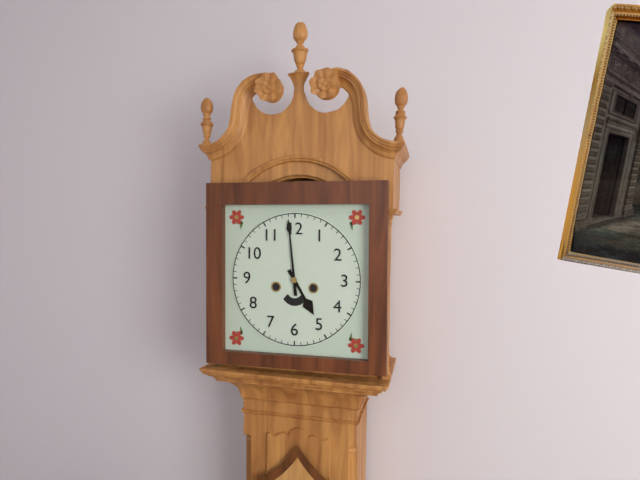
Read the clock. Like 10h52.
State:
4h59
